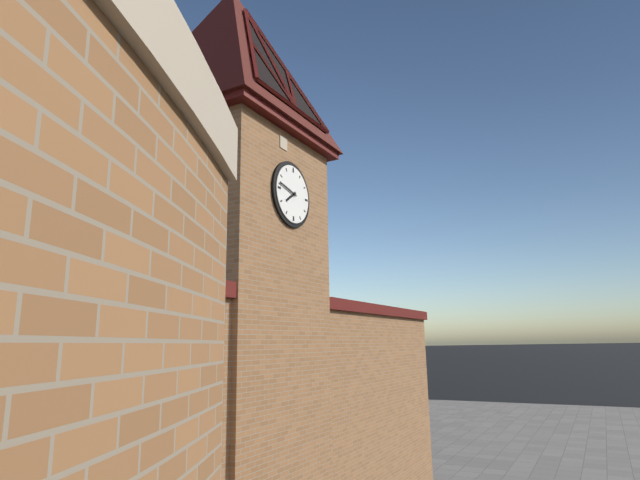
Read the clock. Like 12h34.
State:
7h47
